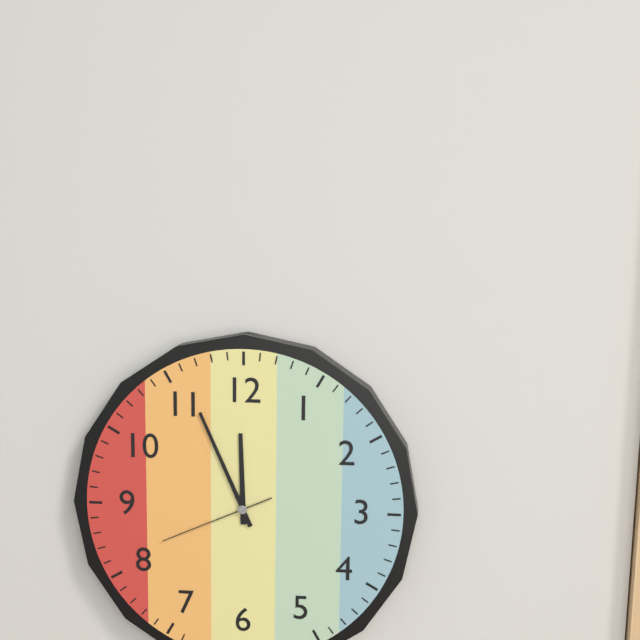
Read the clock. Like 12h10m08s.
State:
11h56m41s
